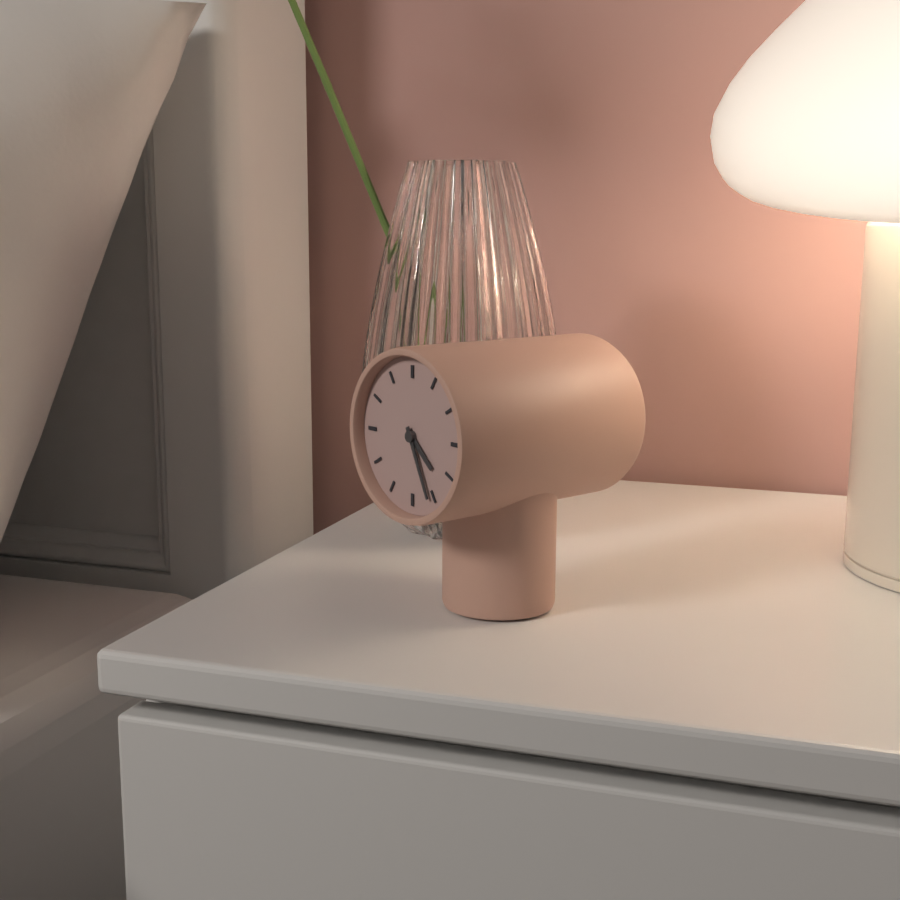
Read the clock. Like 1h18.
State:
4h26
